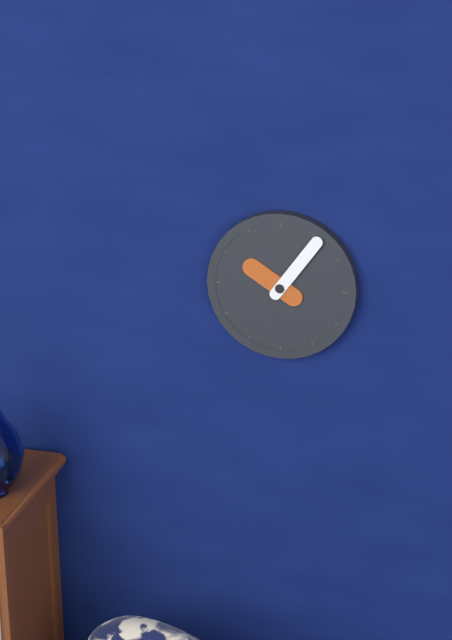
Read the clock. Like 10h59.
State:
10h06
